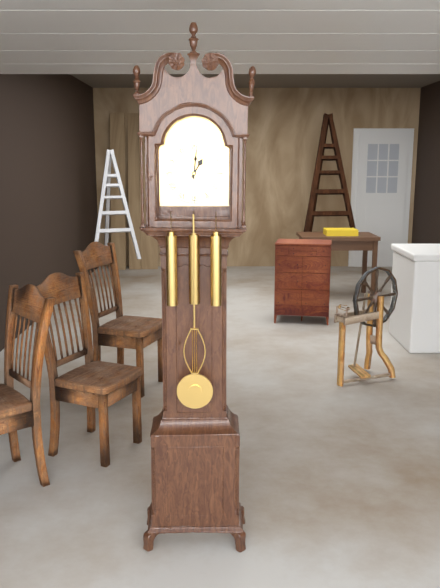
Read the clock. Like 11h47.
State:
1h01
